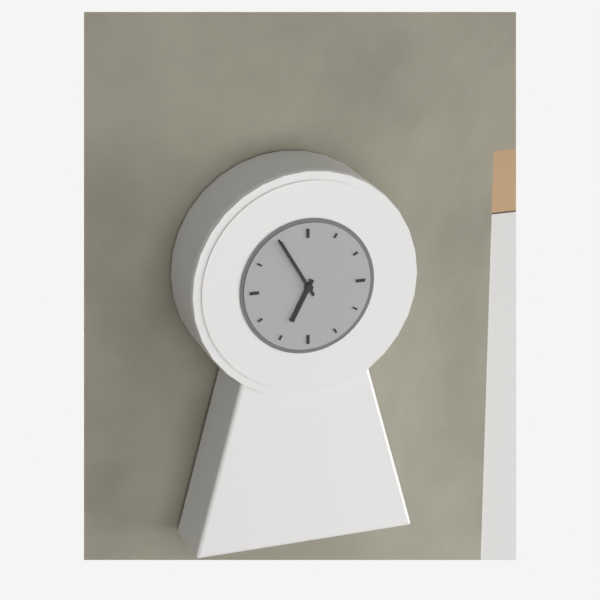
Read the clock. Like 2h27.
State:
6h55
